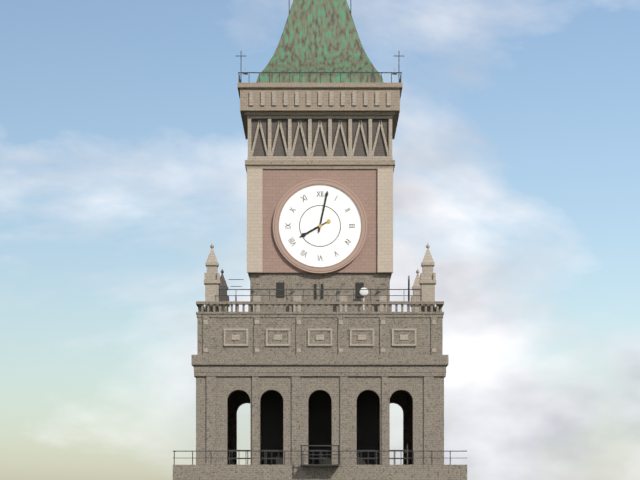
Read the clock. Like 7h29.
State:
8h02
